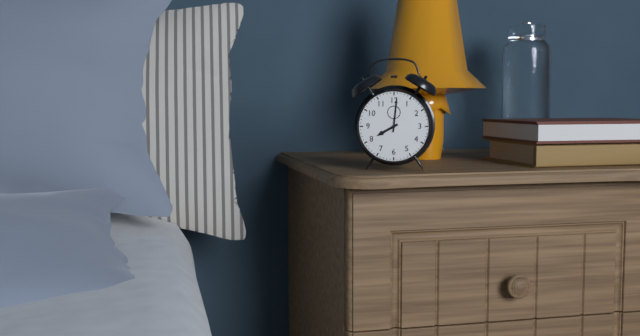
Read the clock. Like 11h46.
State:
8h01
